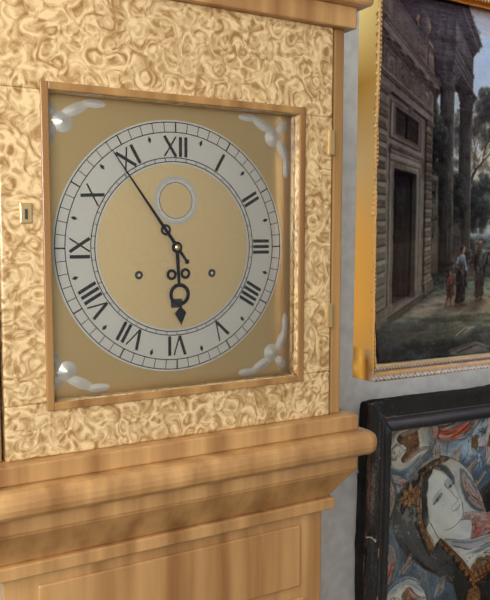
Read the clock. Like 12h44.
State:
5h54
